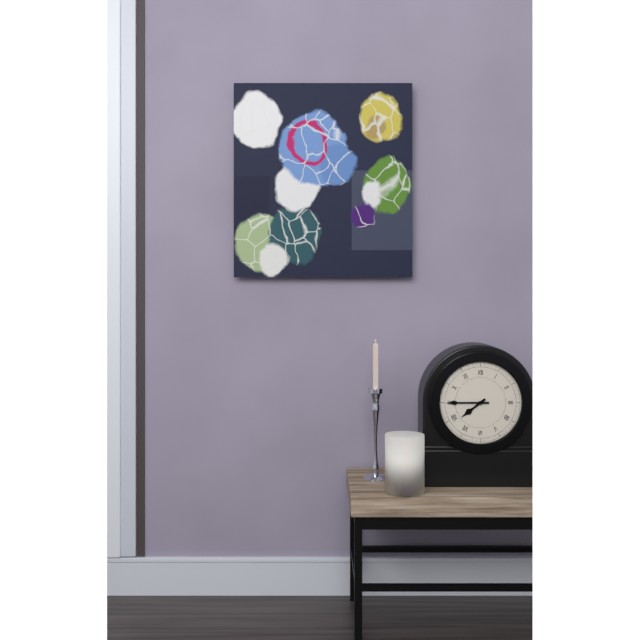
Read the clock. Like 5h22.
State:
7h45
